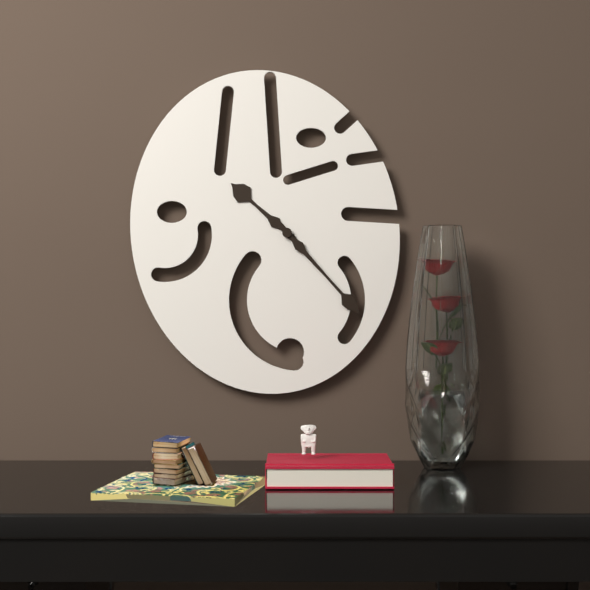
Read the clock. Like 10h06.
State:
10h23
